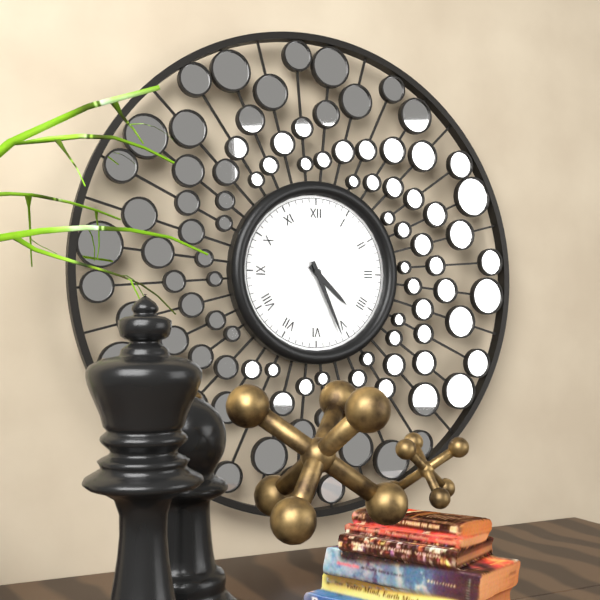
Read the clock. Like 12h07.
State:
4h26
